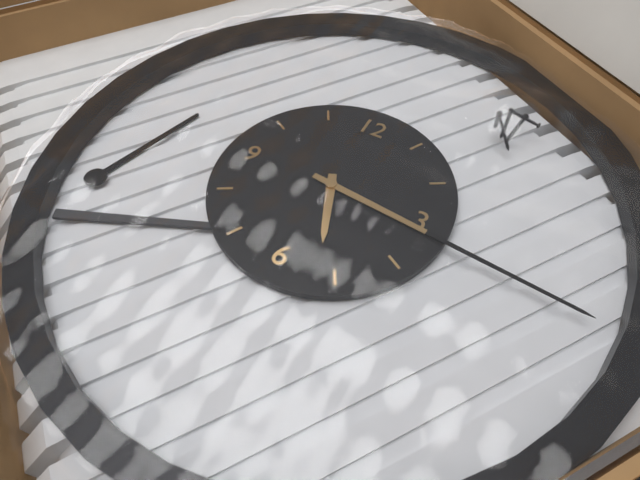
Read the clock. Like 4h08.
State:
5h16
